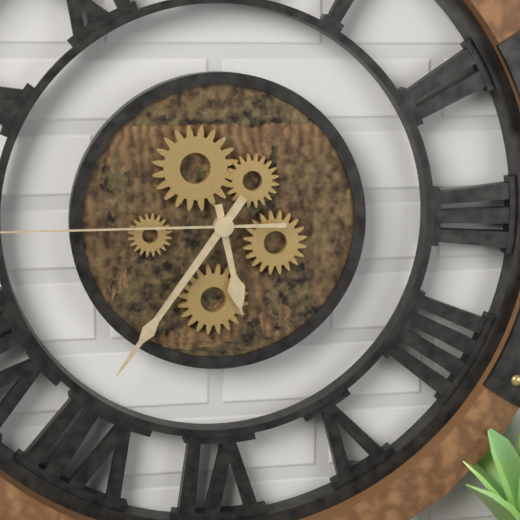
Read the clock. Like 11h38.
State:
5h36
